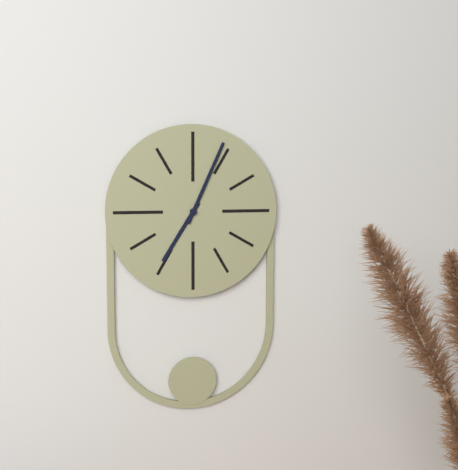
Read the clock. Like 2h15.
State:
7h04
